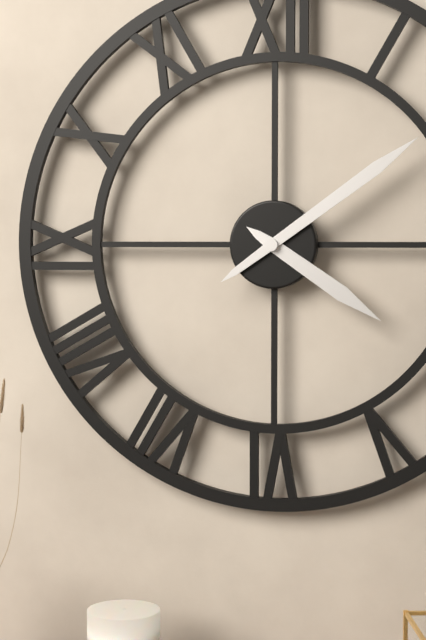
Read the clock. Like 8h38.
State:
4h09
